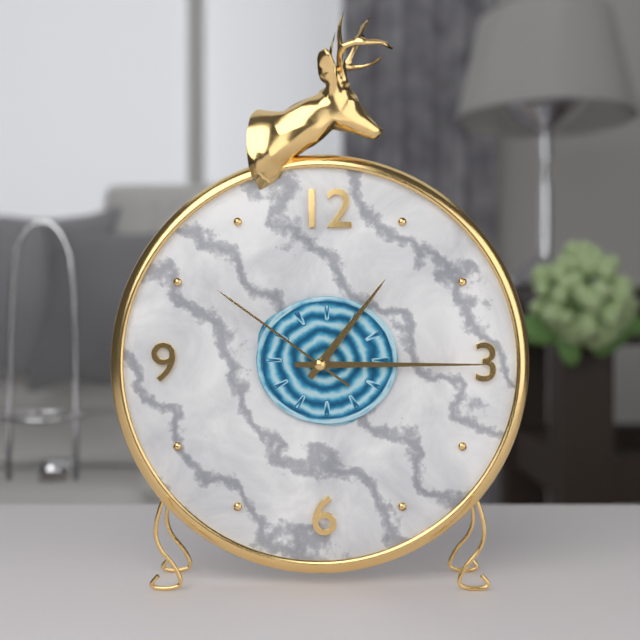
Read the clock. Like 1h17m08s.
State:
1h15m51s
